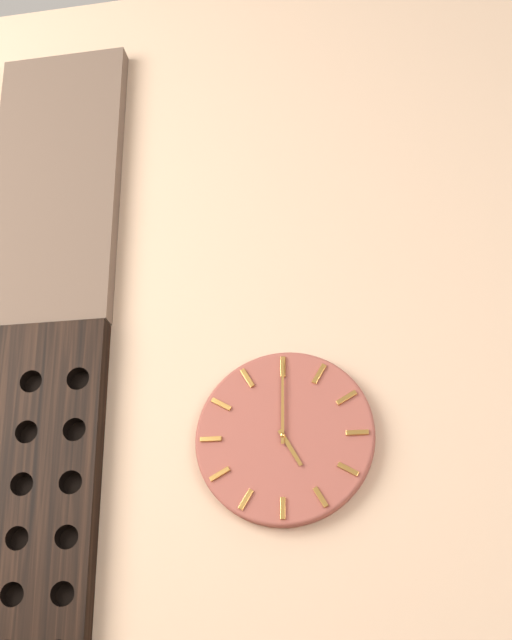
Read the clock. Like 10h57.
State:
5h00
